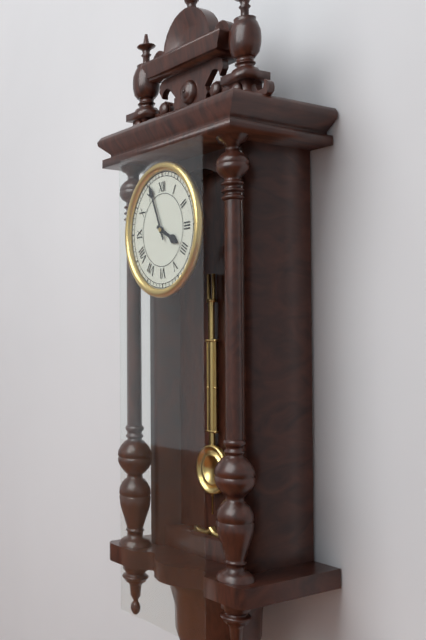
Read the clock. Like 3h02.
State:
3h56
